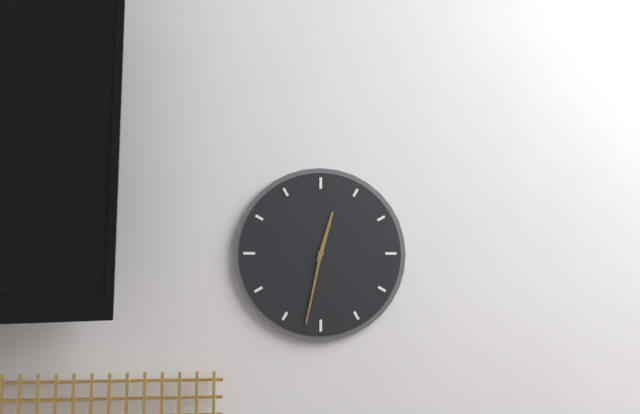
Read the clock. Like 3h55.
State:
12h32
